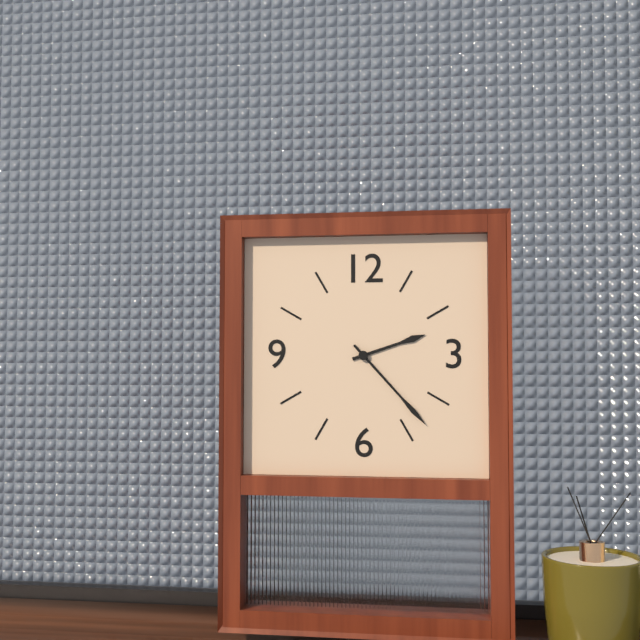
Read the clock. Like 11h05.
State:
2h23
